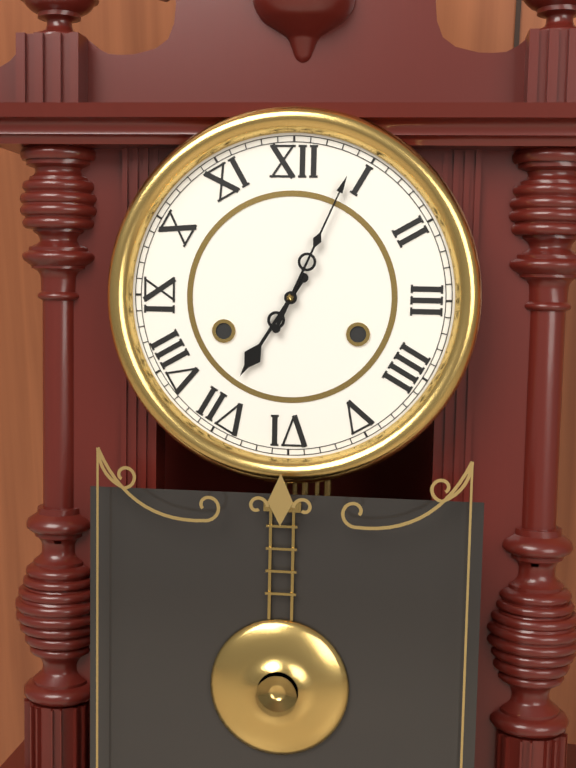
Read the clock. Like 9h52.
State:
7h04
